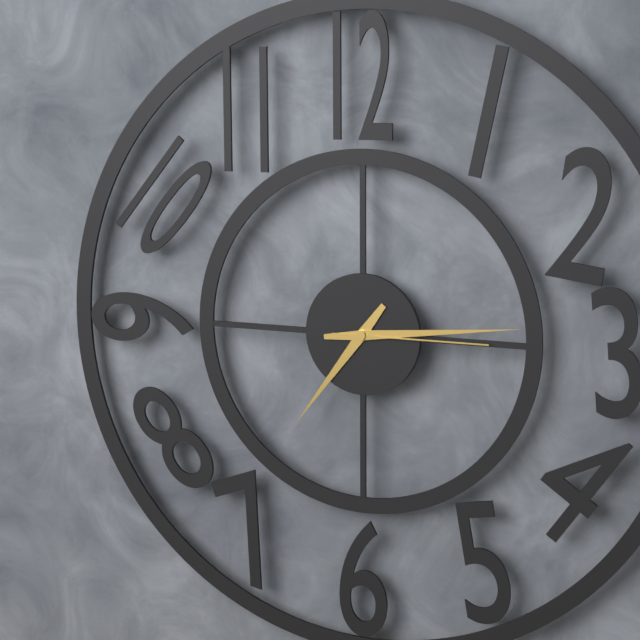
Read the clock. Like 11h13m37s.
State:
7h14m15s
